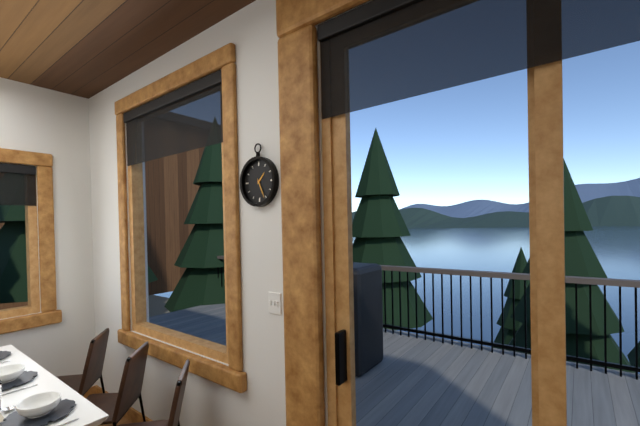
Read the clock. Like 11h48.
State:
1h26
